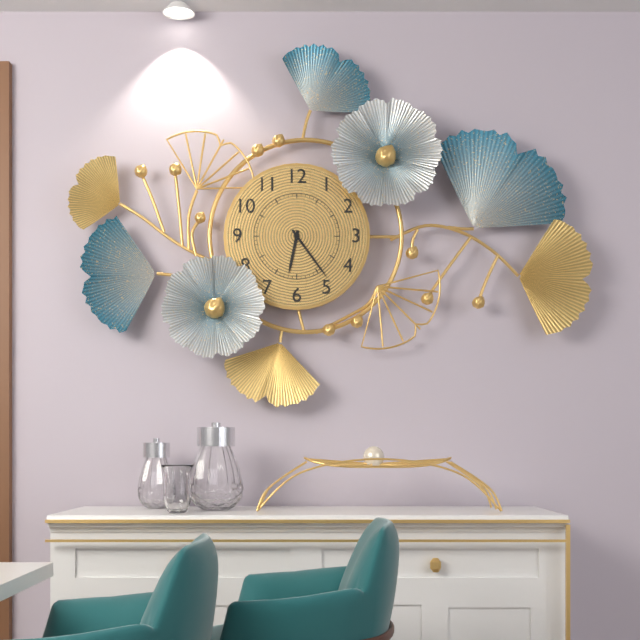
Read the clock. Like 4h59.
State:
6h24
